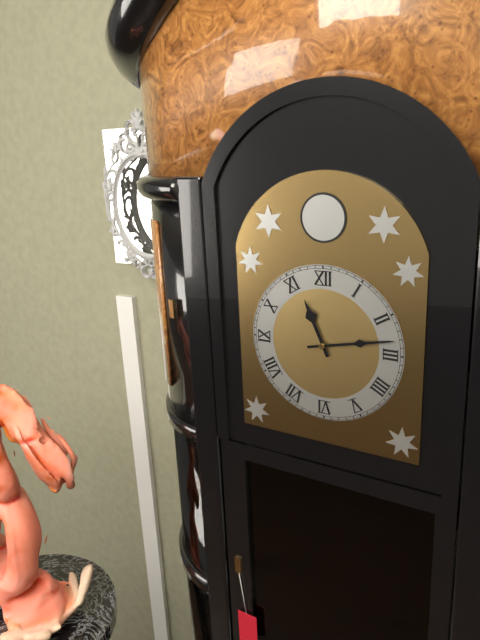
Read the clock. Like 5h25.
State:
11h13
